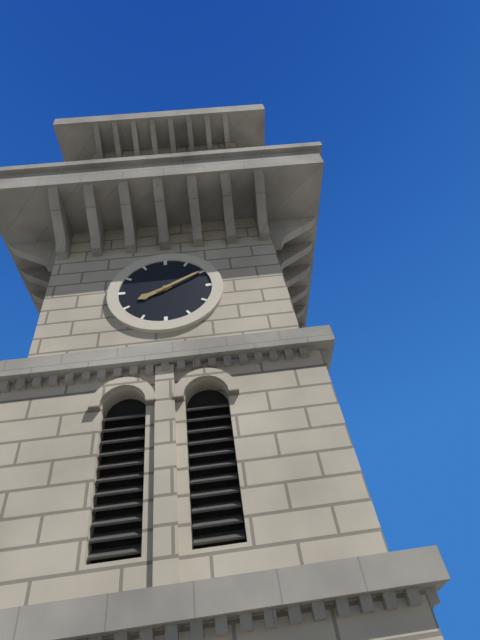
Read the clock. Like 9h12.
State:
8h10
